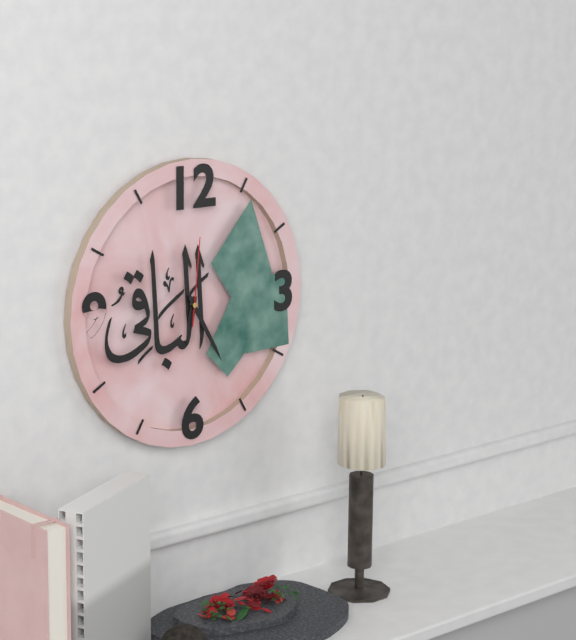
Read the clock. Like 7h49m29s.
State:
6h25m01s
